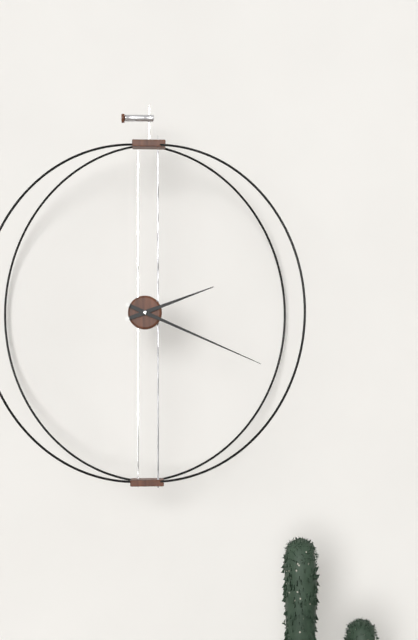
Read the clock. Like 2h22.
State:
2h19
